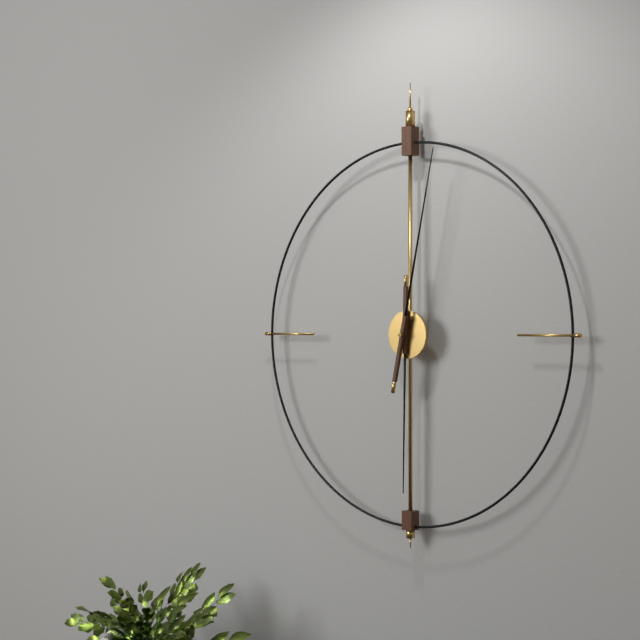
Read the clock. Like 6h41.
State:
6h02
